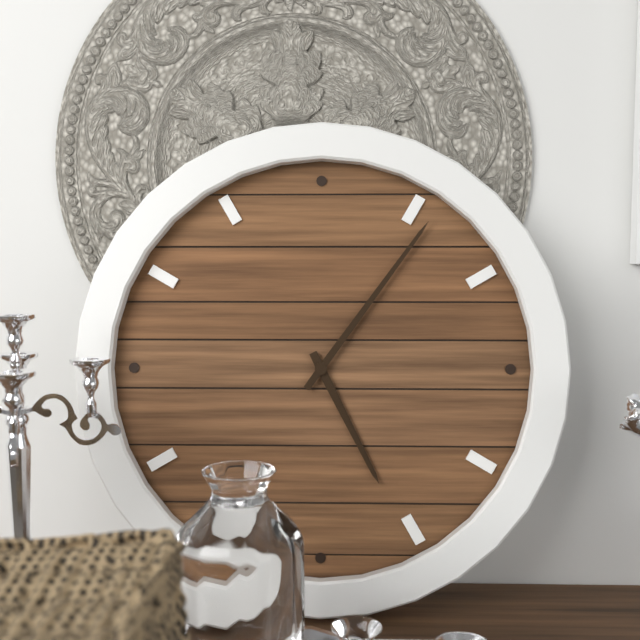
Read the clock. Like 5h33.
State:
5h06
